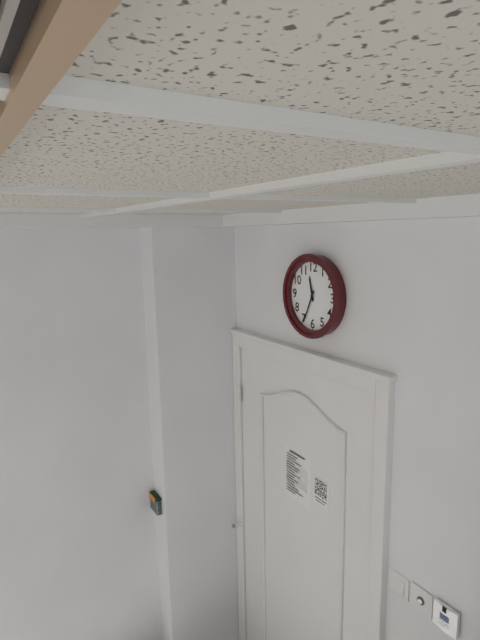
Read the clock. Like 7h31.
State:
11h34
